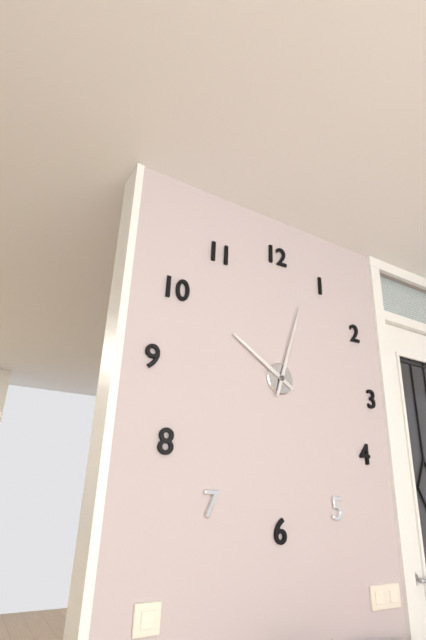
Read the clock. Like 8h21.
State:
10h03
